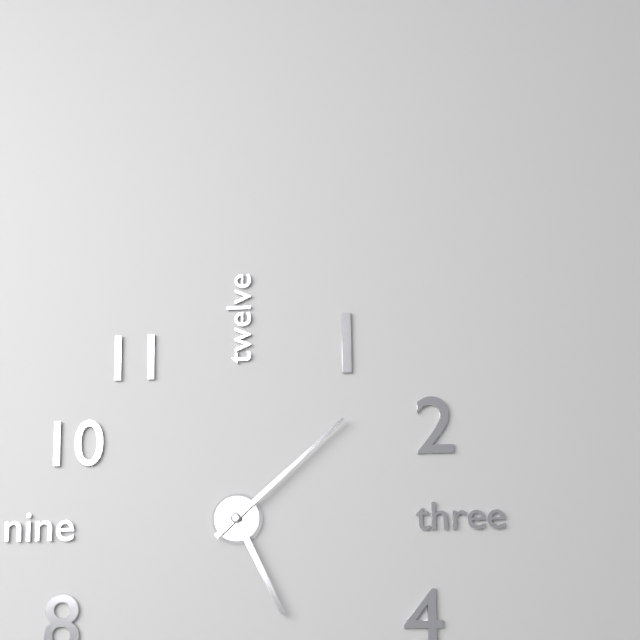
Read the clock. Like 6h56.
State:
5h08
